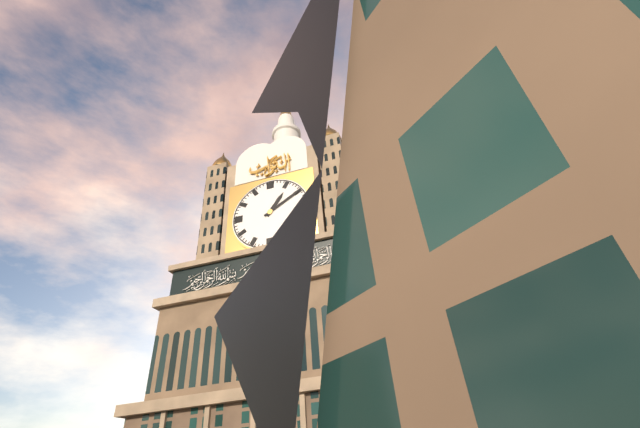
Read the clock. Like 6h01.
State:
1h10
